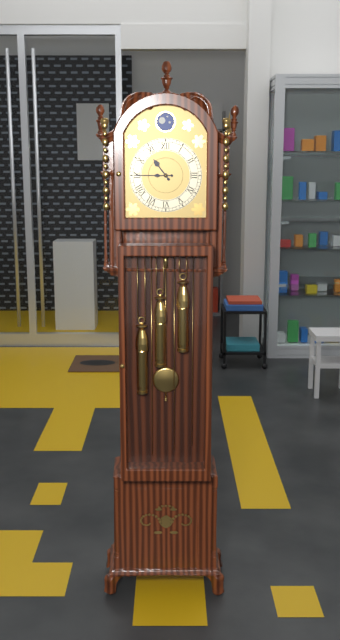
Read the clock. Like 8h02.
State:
10h45
